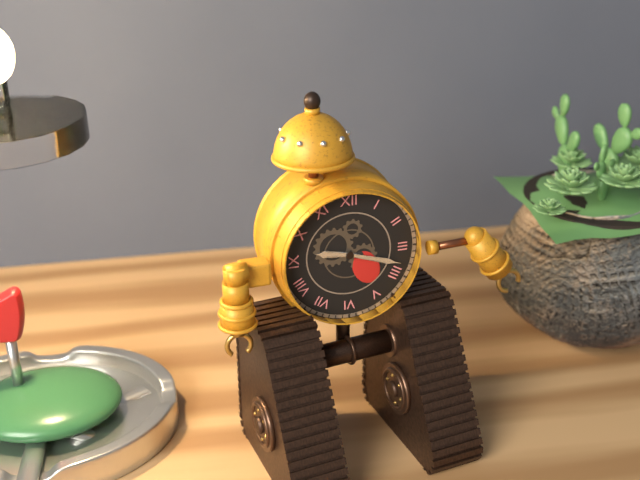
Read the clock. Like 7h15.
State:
9h18
